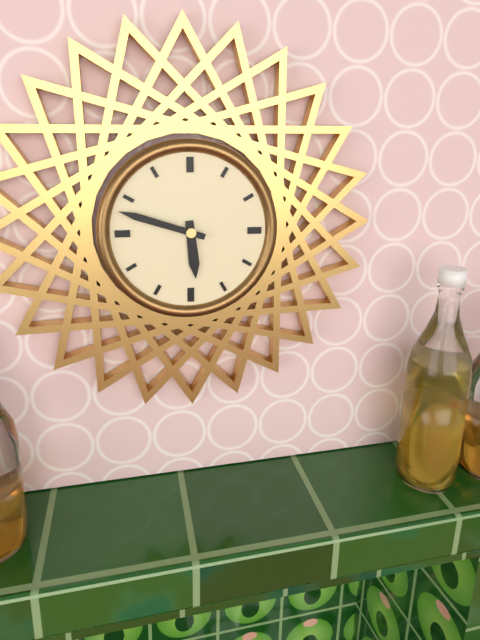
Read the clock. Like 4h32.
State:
5h48
